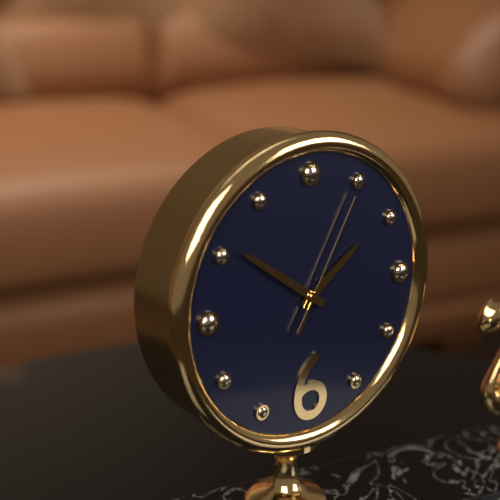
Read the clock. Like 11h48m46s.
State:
1h51m05s
